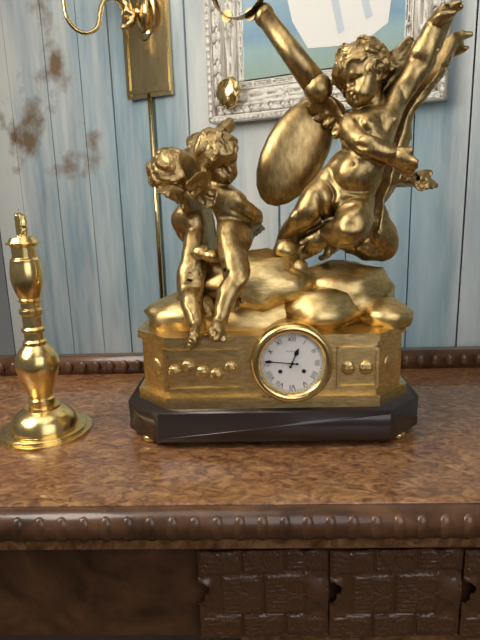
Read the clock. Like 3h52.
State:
12h46
